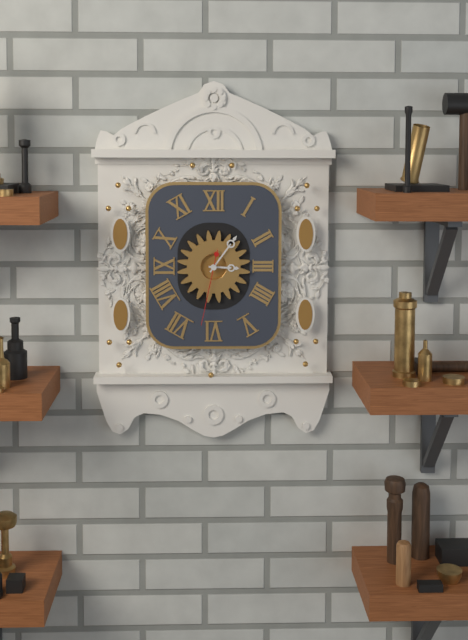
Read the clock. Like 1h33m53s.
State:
3h06m32s
